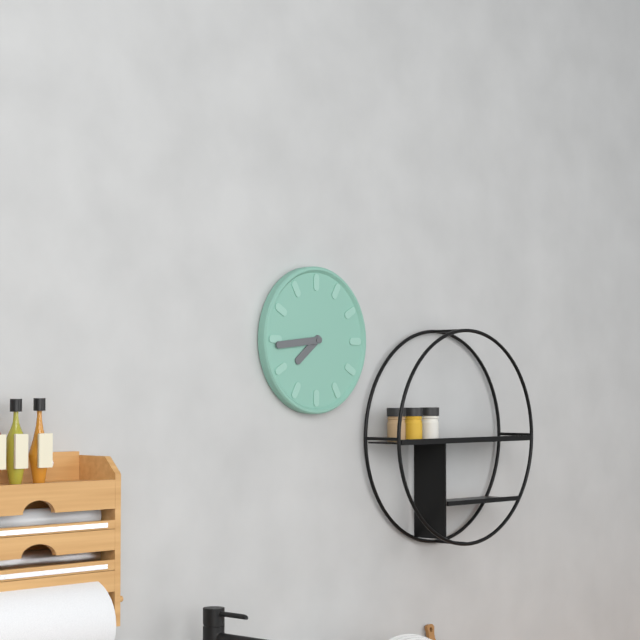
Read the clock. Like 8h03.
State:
7h44
